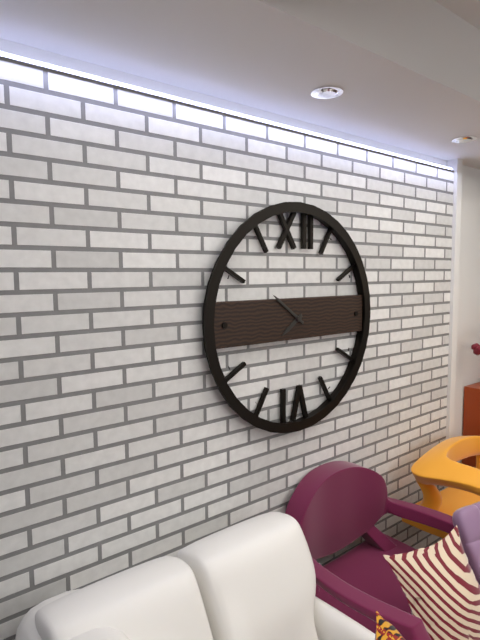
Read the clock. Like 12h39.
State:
7h51
